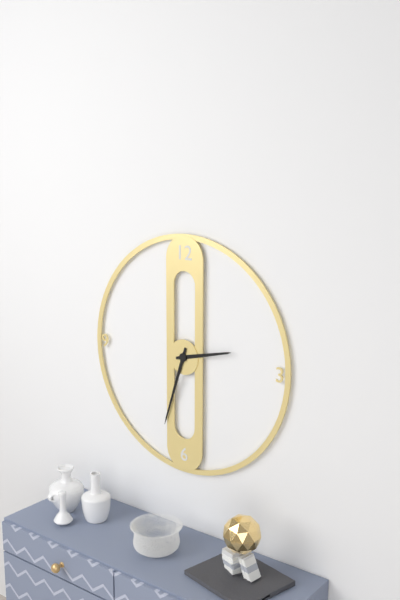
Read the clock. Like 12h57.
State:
2h33
